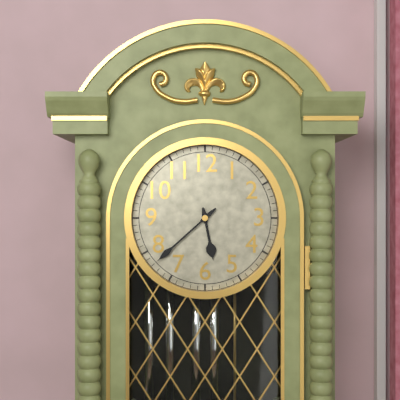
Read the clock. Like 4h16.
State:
5h38
